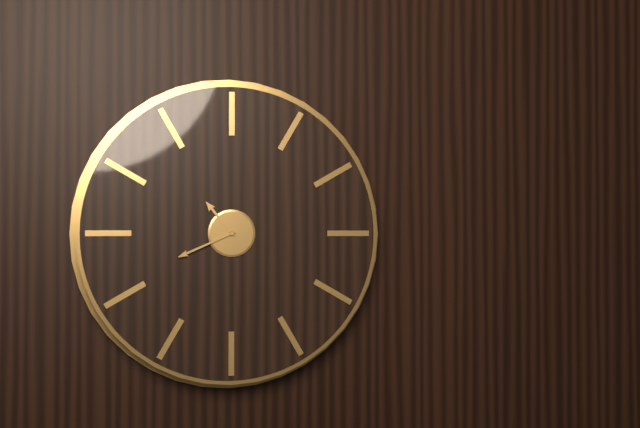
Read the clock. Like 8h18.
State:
10h41
